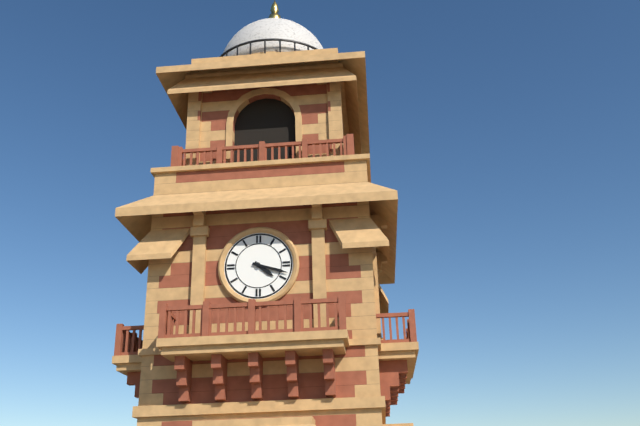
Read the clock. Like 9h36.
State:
4h18
